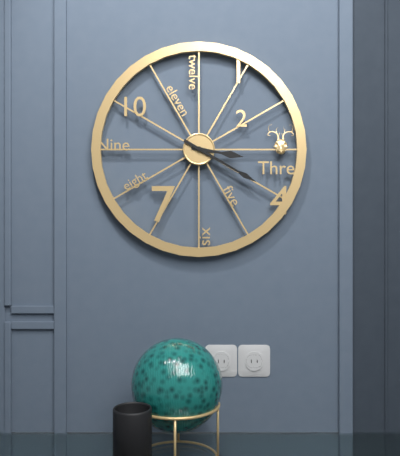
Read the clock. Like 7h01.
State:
3h20
